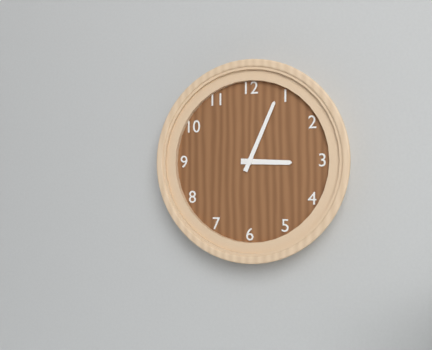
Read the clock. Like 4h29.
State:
3h04
